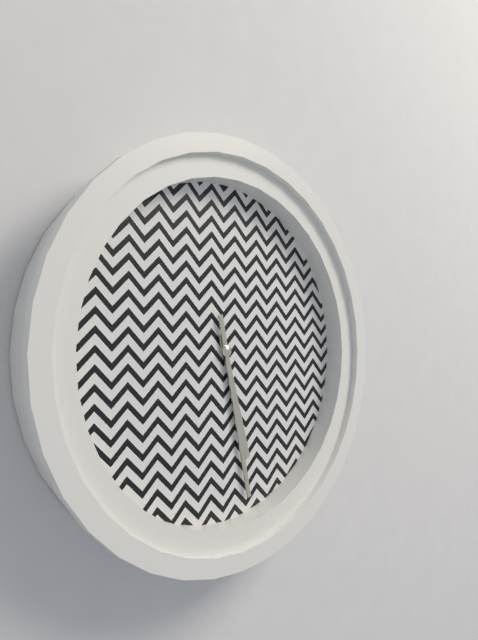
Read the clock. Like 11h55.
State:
5h28
